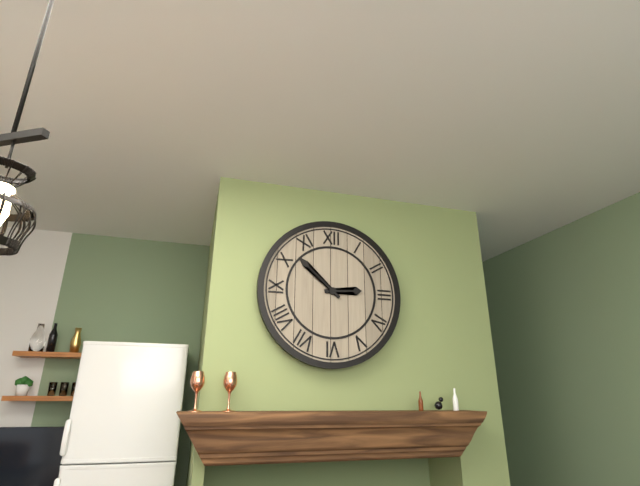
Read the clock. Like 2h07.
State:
2h52
